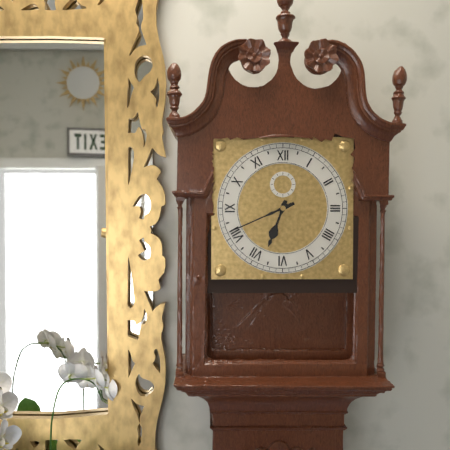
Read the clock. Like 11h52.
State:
6h41
